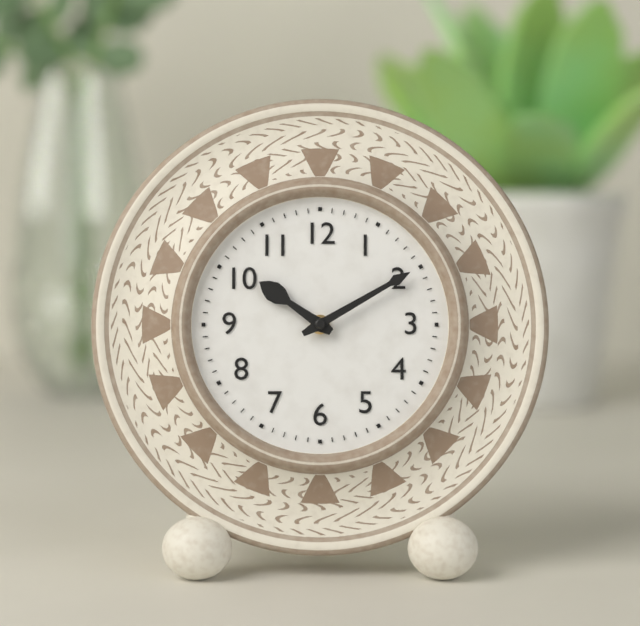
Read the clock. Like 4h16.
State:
10h10
